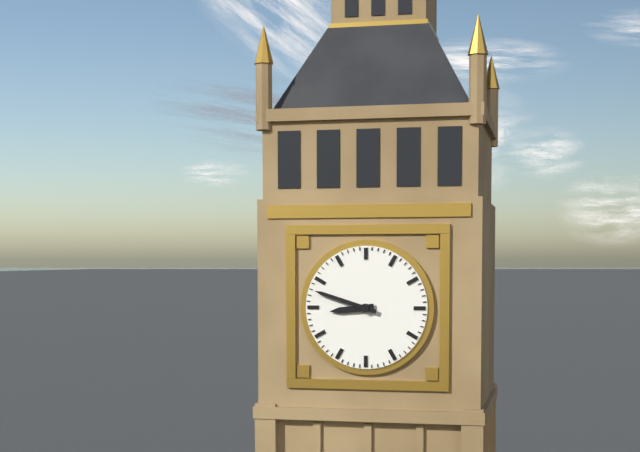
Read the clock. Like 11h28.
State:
8h48
